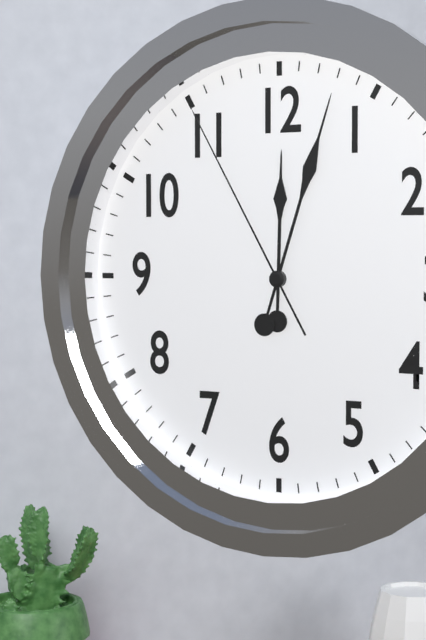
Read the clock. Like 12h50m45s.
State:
12h03m55s
